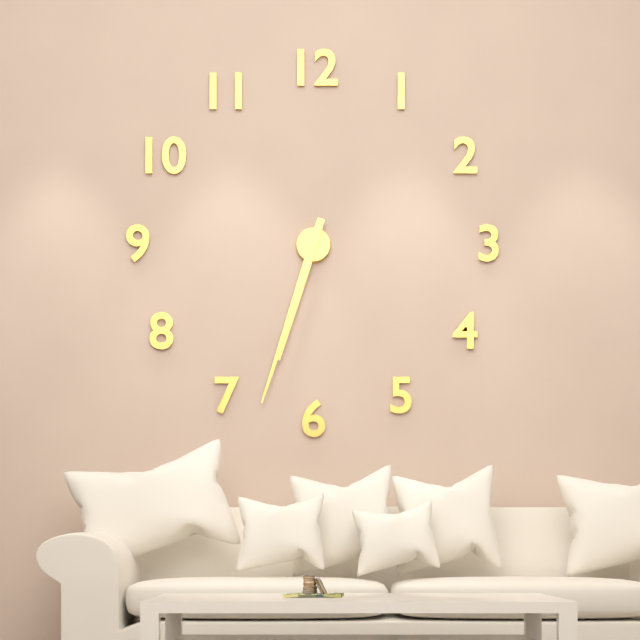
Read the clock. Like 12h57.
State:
6h33
